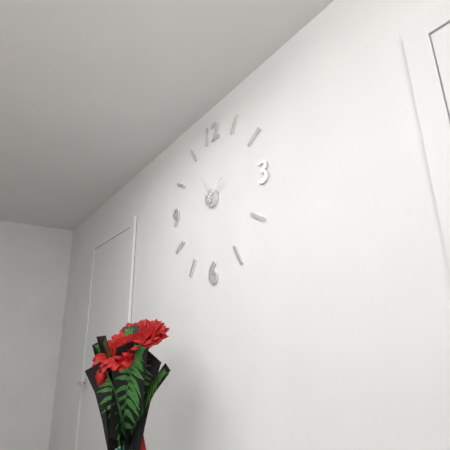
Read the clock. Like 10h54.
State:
1h55
